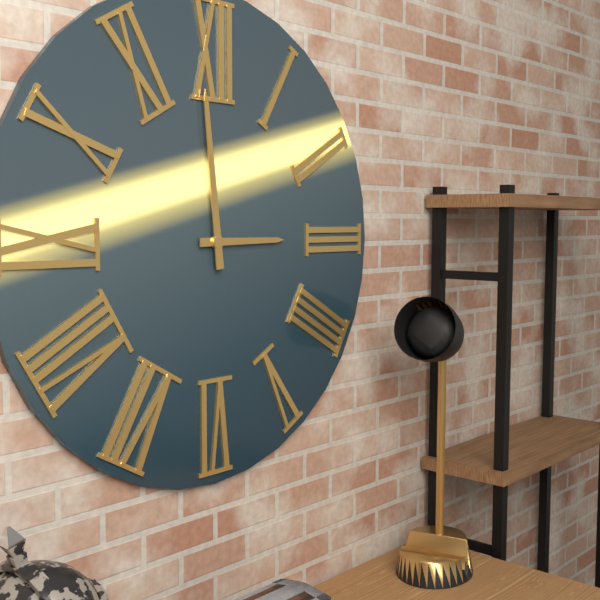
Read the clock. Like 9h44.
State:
2h59
